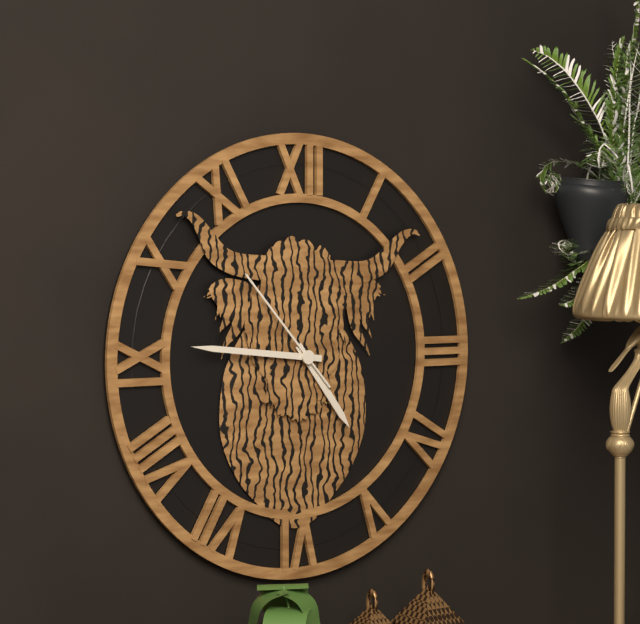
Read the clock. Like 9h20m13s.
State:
4h46m53s
